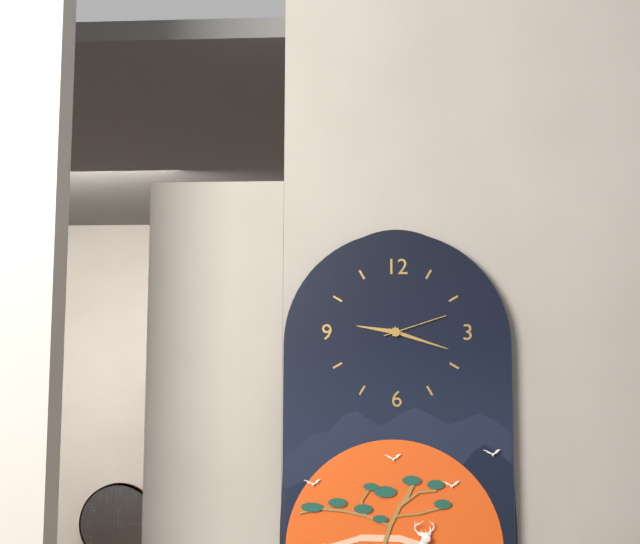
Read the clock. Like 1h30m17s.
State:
9h18m12s
